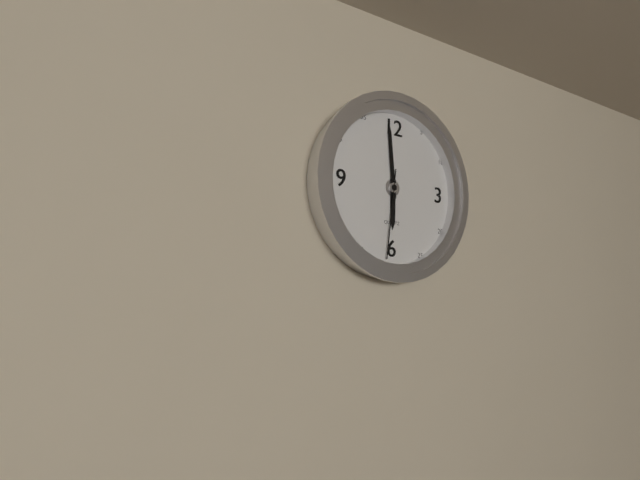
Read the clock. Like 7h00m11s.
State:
5h59m31s
